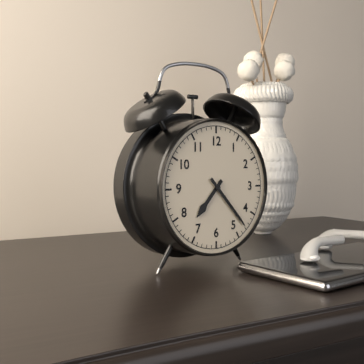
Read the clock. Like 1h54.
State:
7h23
